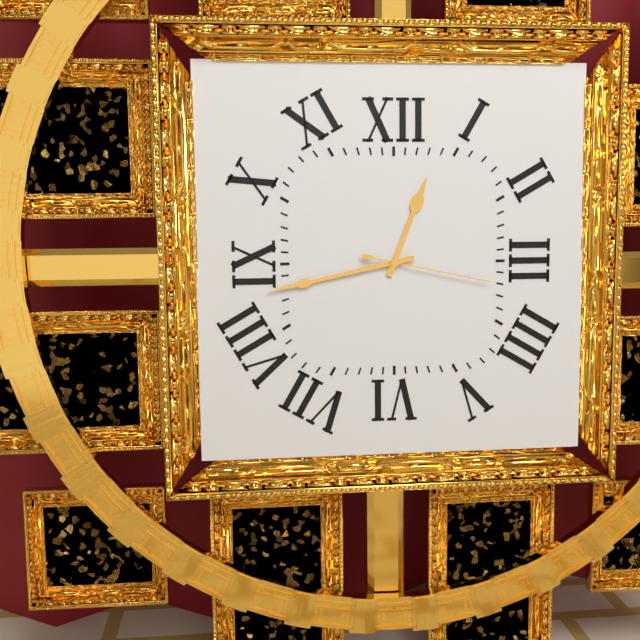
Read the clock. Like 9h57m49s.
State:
12h43m17s
